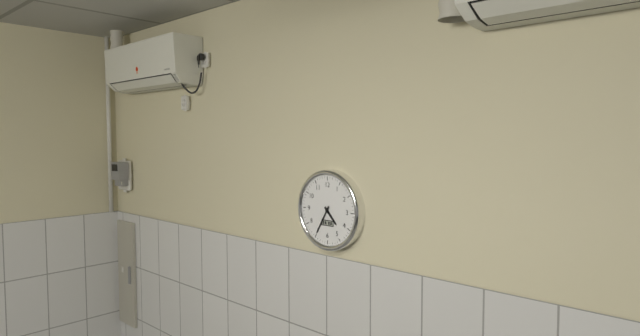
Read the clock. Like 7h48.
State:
4h35
